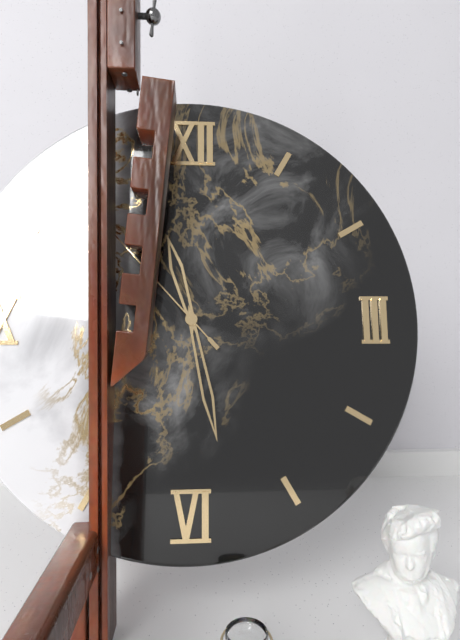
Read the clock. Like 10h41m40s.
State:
11h28m53s
